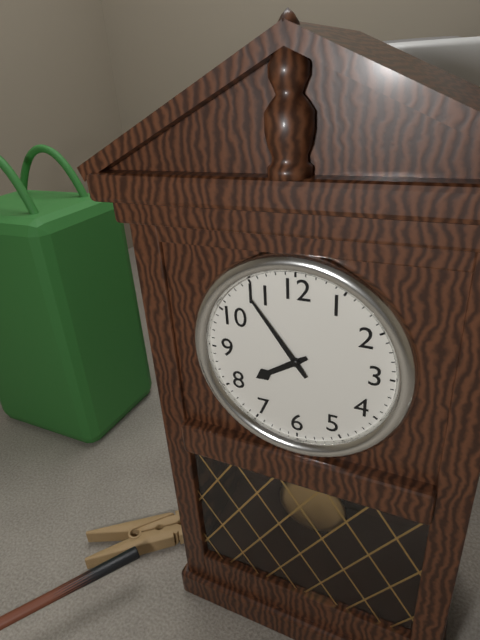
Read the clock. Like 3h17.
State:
7h54
